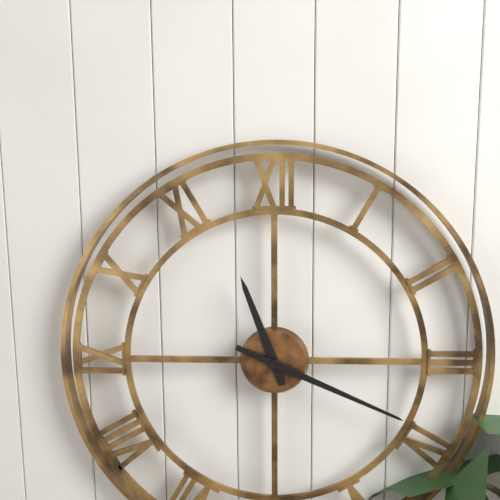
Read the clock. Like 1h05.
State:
11h19
